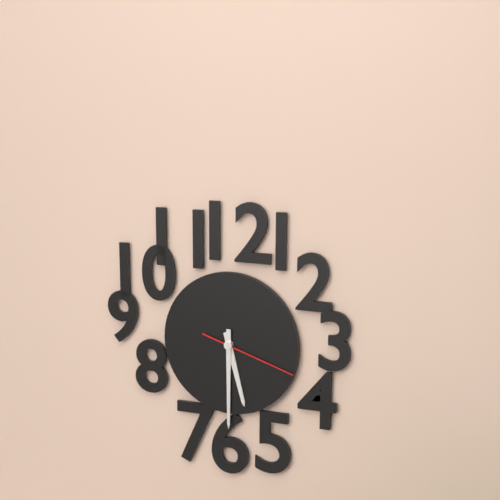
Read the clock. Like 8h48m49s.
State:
5h30m18s
